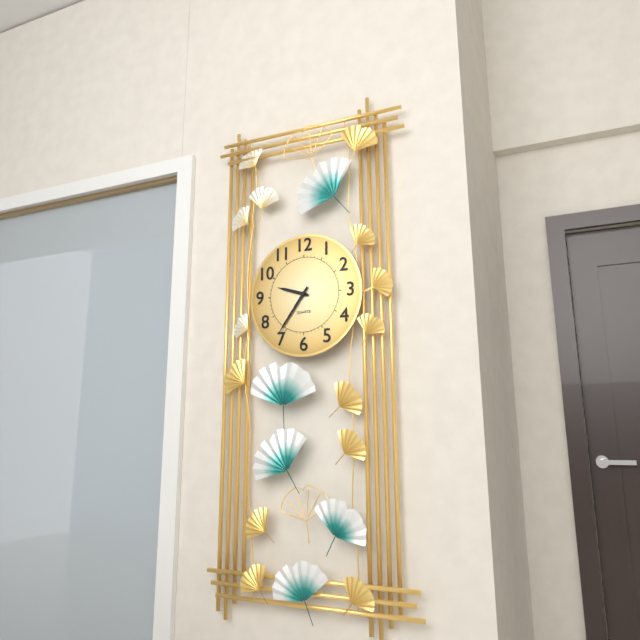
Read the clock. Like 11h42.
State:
9h36
